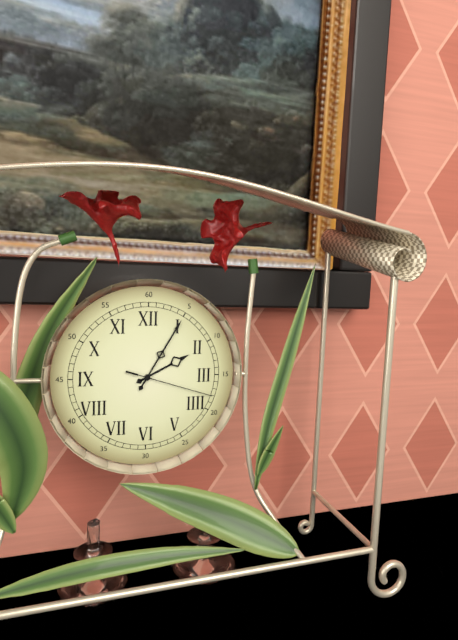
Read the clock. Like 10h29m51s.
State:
2h05m18s
